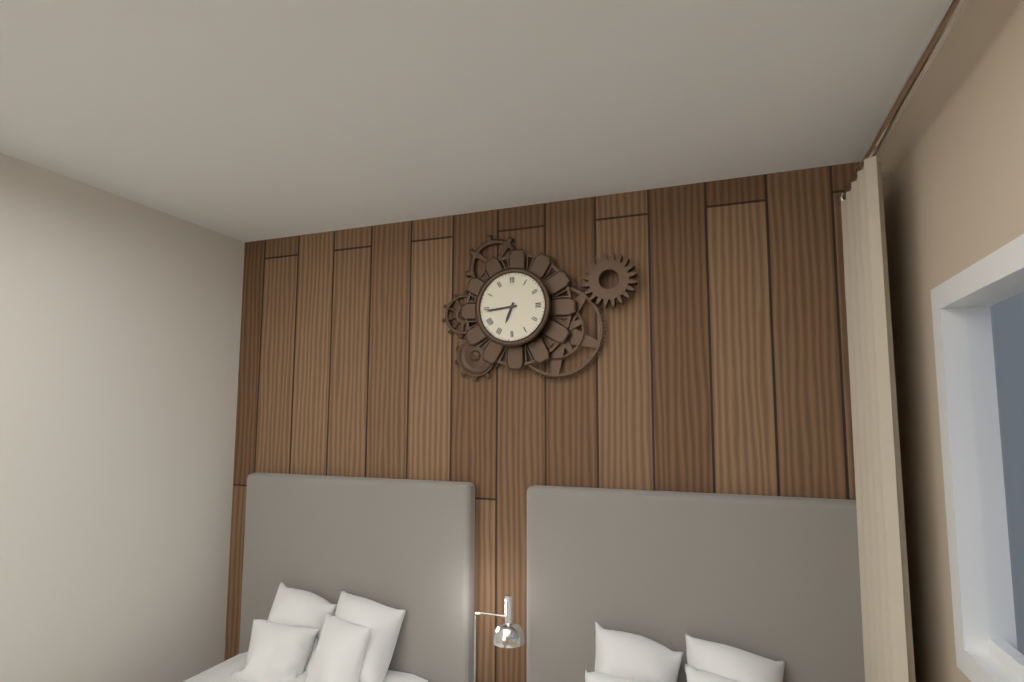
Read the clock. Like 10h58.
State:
6h44
